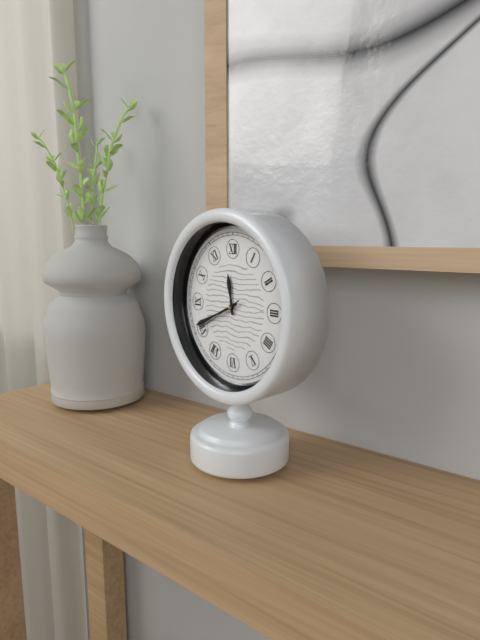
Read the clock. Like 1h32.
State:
11h41
